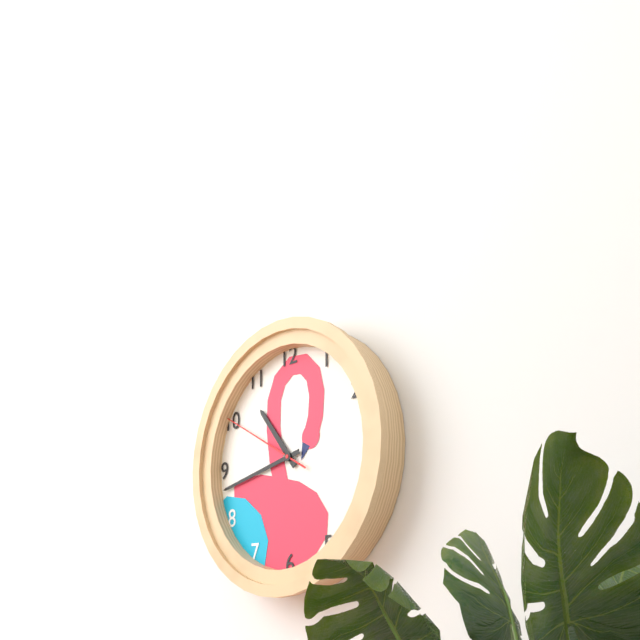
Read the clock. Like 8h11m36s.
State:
10h43m50s
